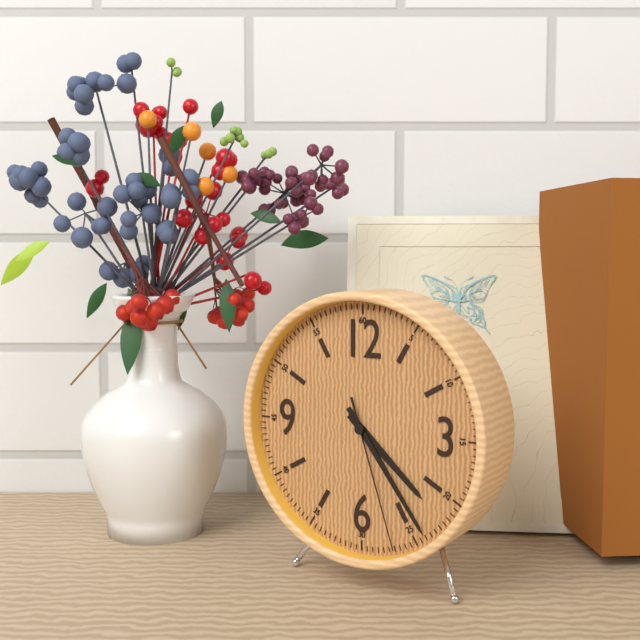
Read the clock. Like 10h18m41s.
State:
4h24m27s
